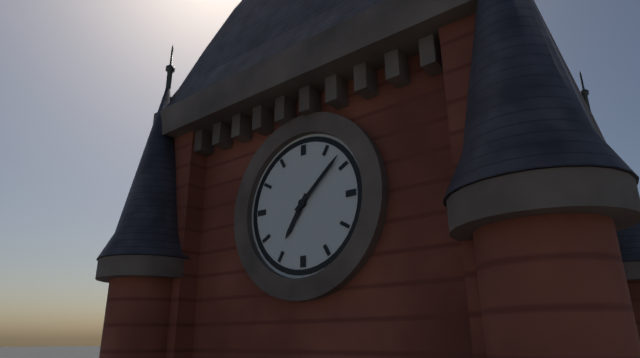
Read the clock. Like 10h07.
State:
7h08
